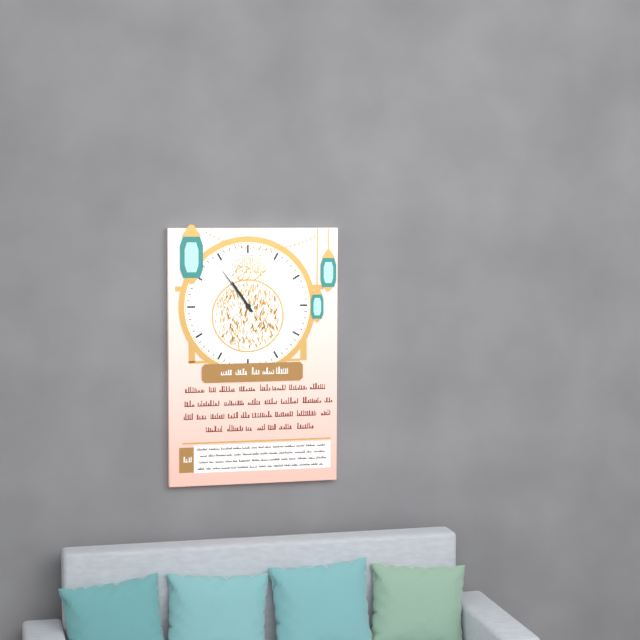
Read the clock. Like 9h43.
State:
10h54
